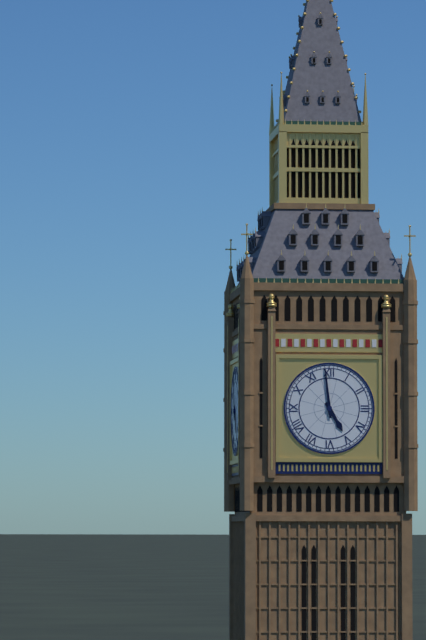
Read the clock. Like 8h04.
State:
4h59
